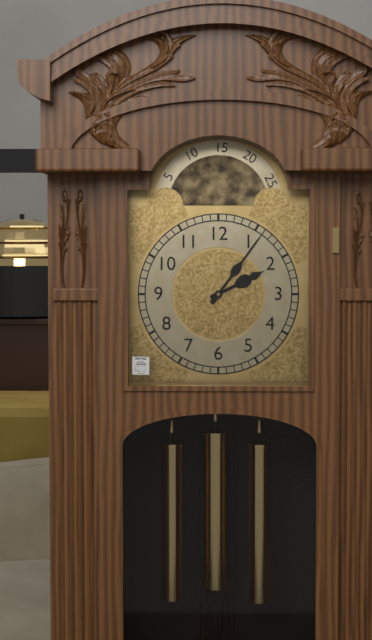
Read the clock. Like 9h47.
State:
2h06
